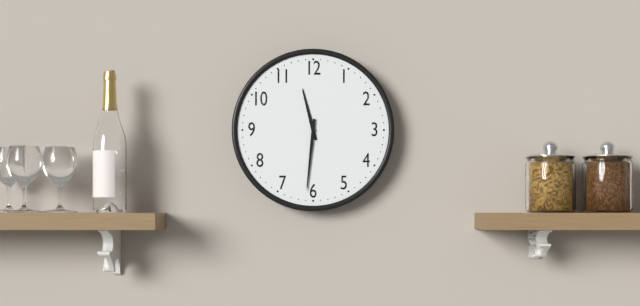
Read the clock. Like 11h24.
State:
11h31
